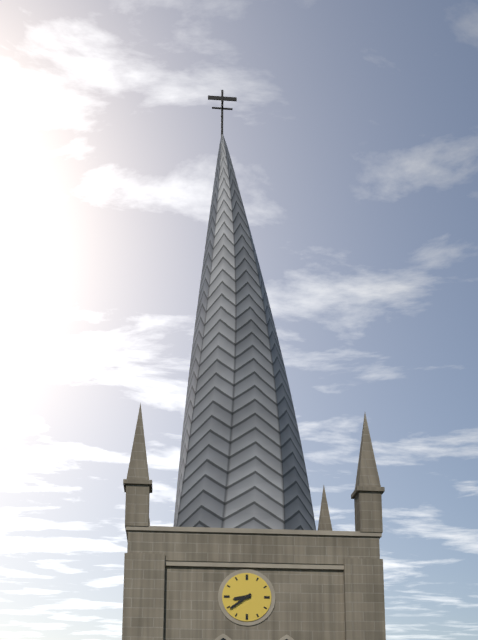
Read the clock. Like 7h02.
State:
8h39
